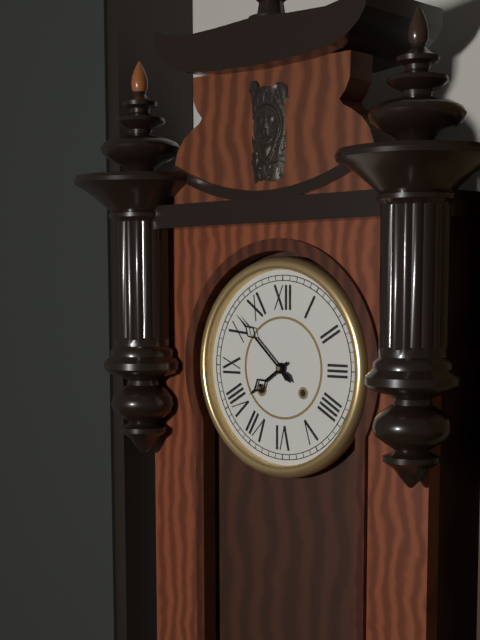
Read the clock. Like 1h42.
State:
7h52
